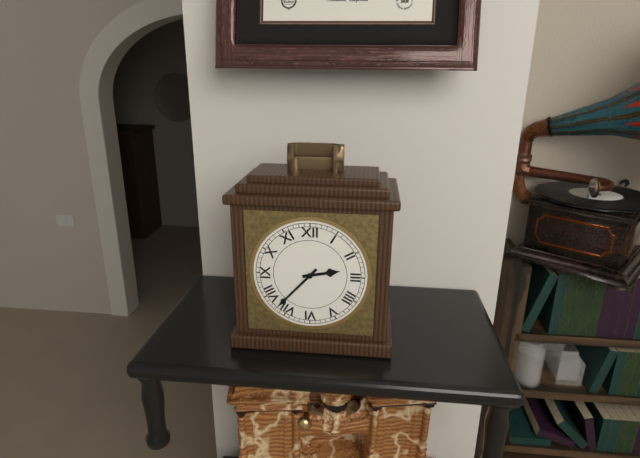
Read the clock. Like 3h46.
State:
2h37
